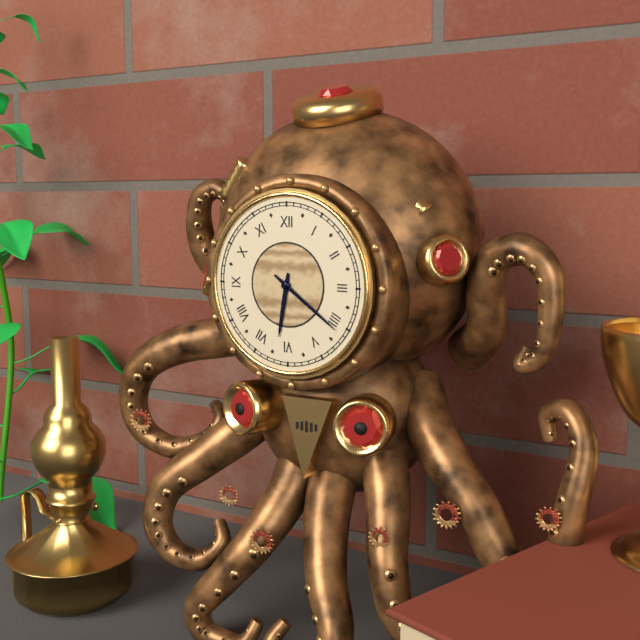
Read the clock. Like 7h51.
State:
6h21
